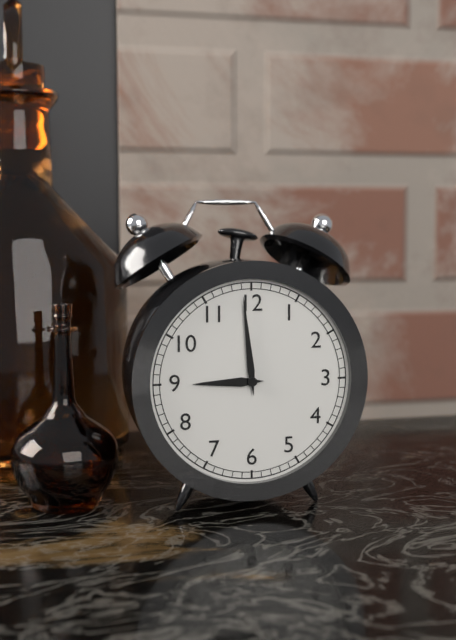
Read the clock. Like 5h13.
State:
8h59
